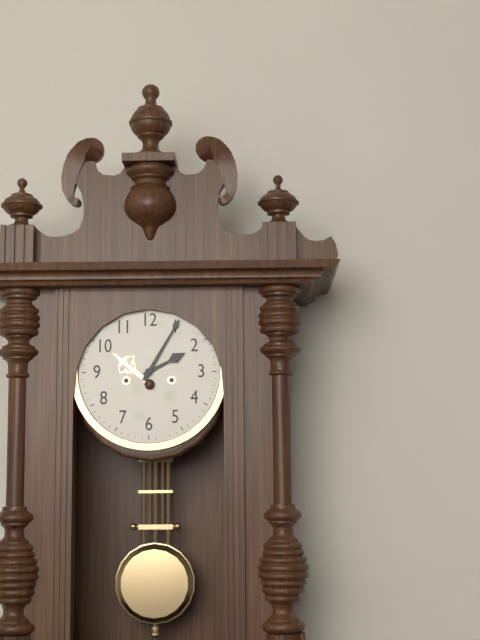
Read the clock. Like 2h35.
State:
2h05
